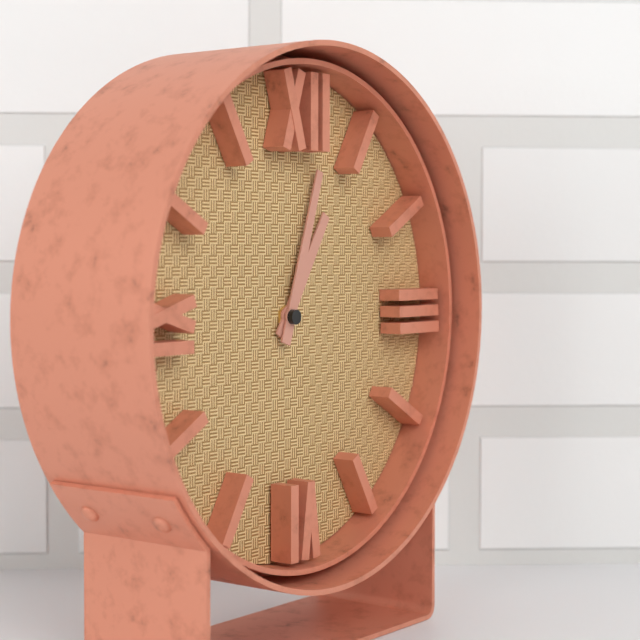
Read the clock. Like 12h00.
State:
1h03
